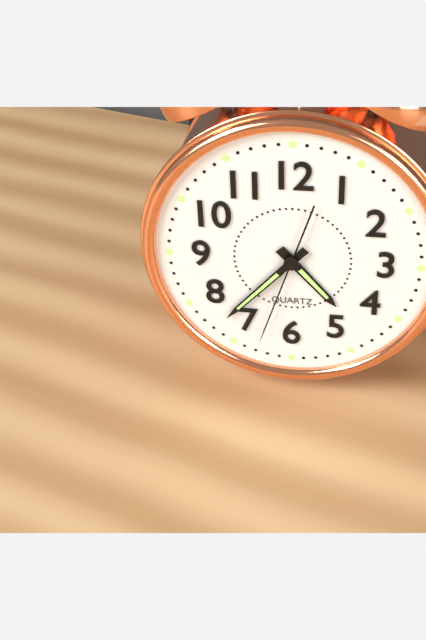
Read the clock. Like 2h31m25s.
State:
4h37m33s
